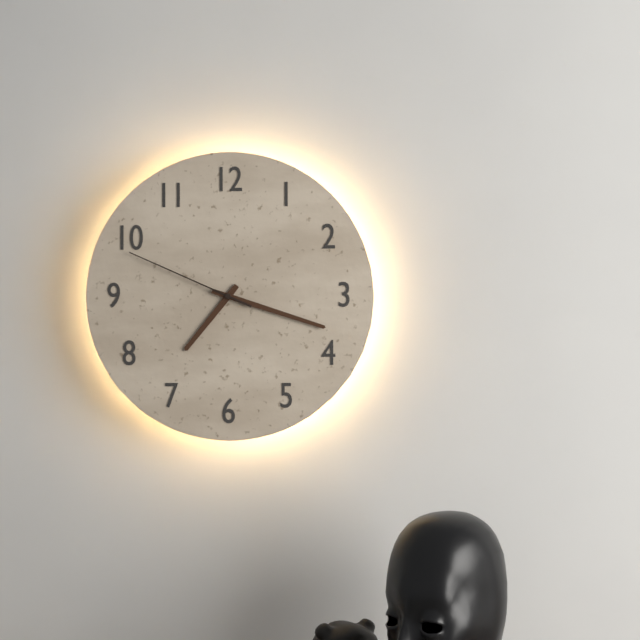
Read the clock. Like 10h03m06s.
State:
7h18m49s
